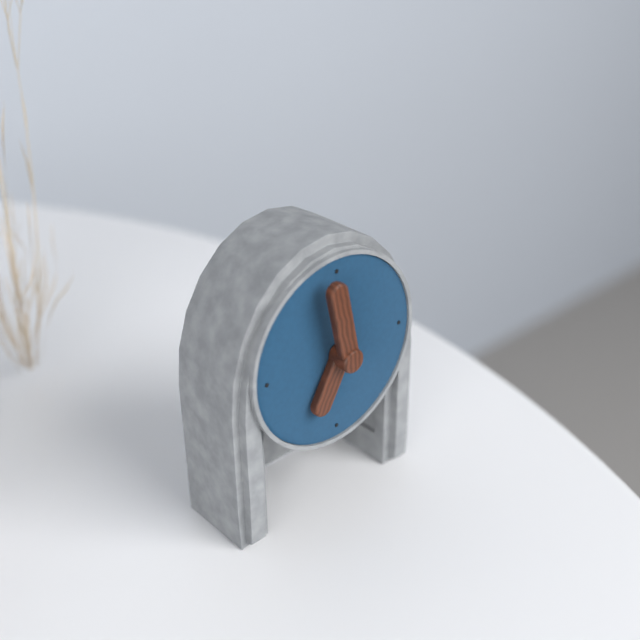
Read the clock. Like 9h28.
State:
6h58
